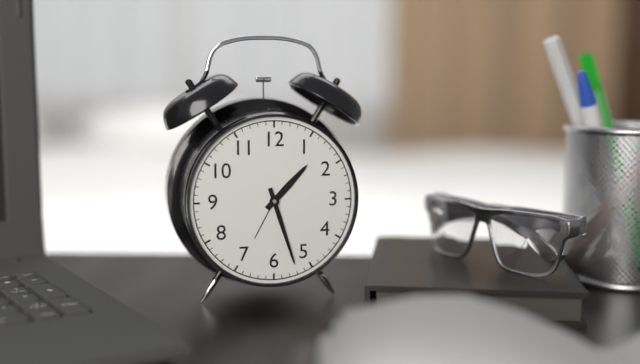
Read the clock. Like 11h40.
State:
1h27
